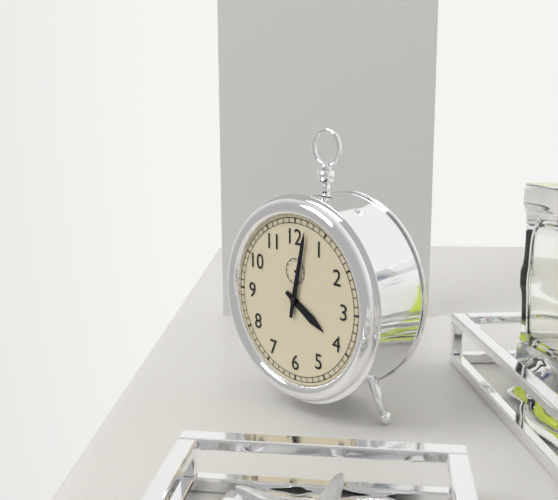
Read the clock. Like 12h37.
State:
4h02
